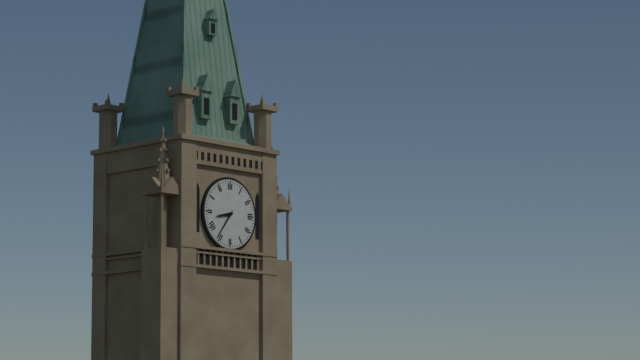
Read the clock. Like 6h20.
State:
8h36
